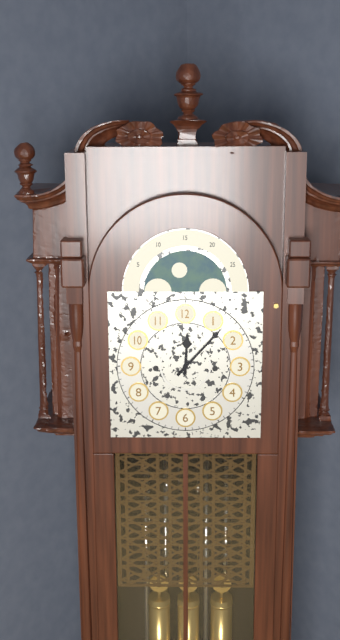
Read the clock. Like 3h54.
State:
12h07
